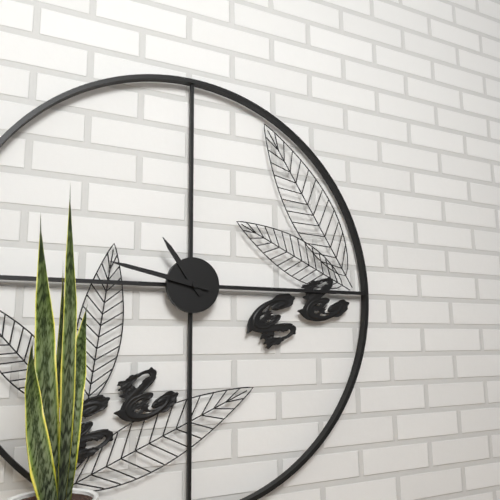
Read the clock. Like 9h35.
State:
10h47
